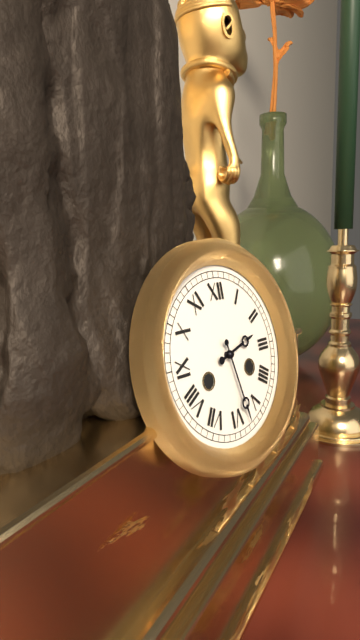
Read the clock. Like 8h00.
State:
2h28
